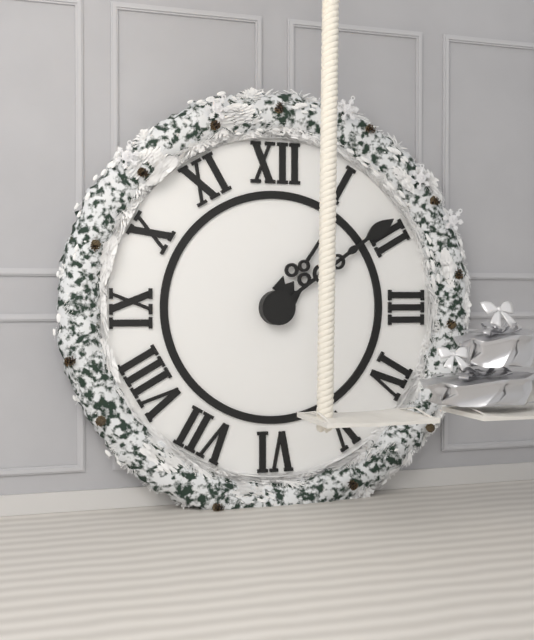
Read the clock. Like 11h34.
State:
1h09
